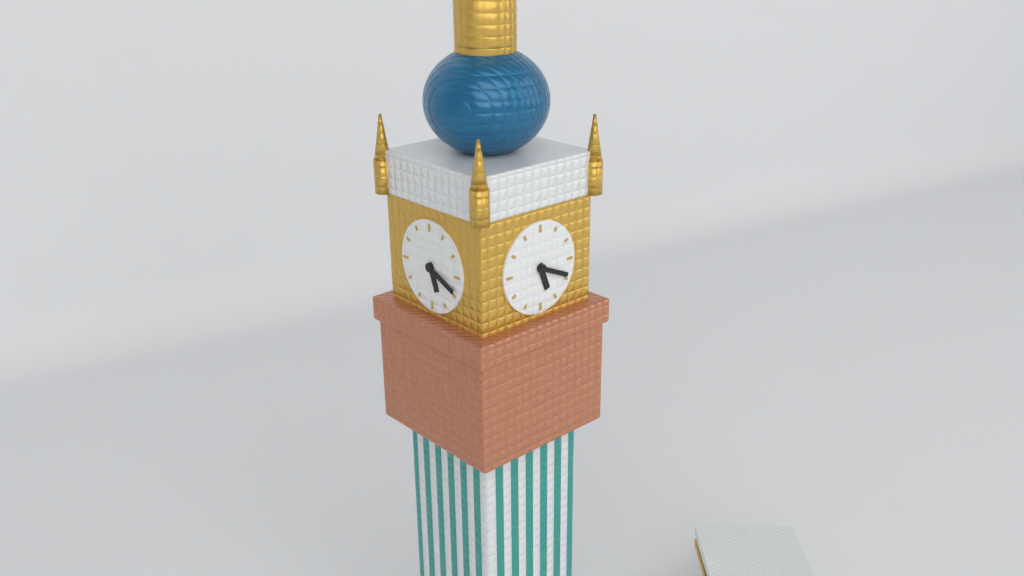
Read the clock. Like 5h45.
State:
5h19
